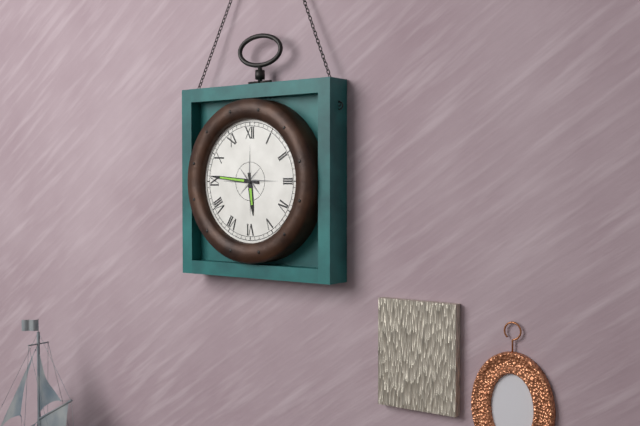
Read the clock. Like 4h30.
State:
5h46
